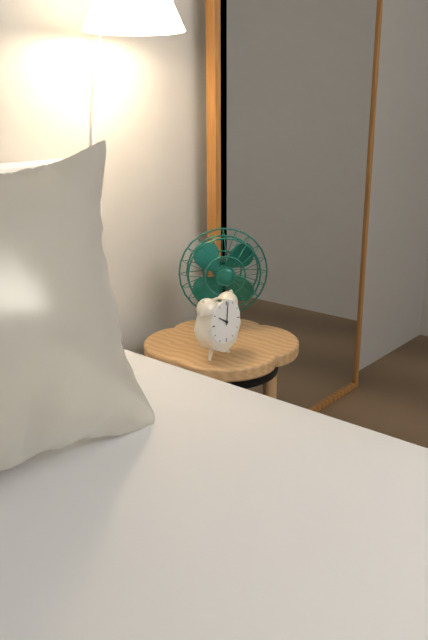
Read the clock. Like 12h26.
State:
10h01
